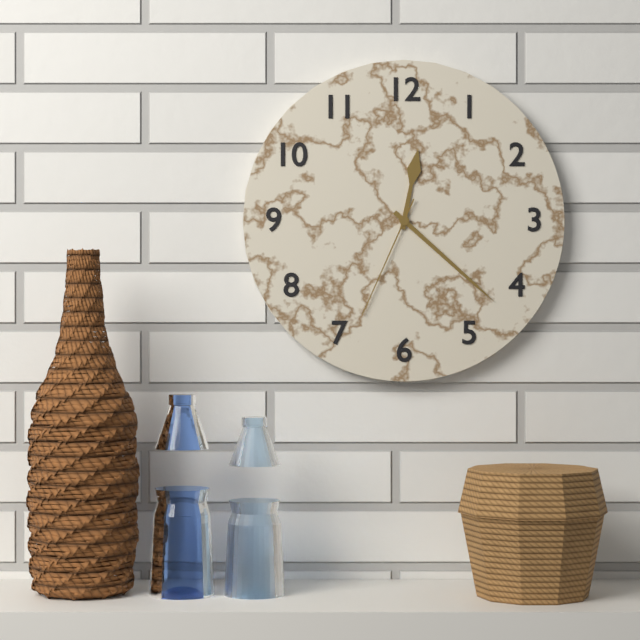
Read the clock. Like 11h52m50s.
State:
12h22m34s
